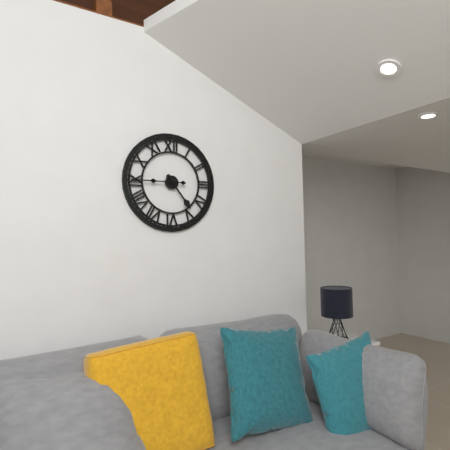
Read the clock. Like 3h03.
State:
4h45
